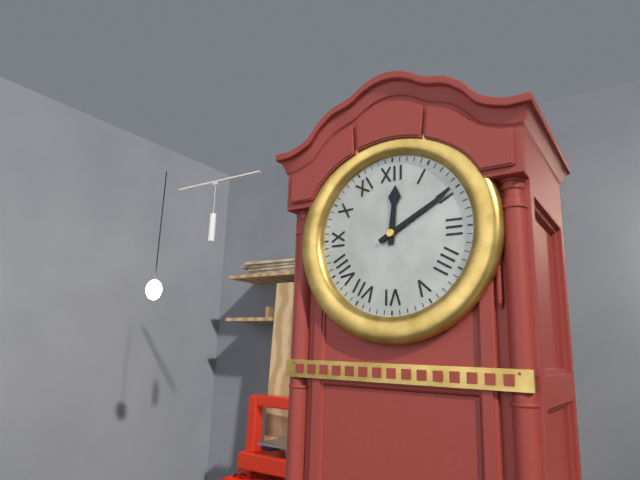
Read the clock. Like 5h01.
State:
12h10
